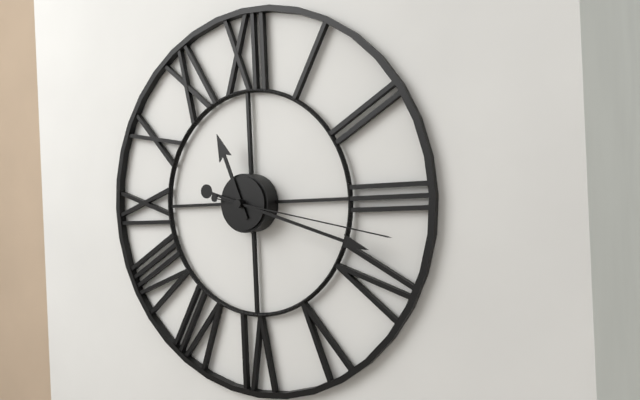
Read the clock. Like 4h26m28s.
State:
11h18m17s
